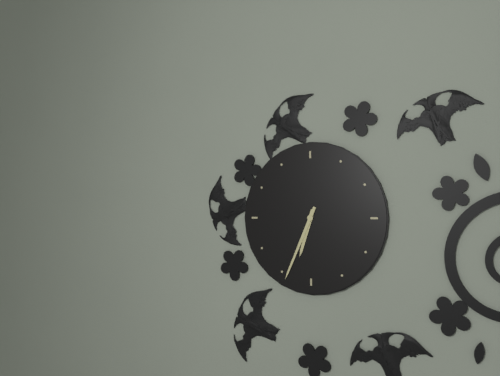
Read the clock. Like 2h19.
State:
6h34
